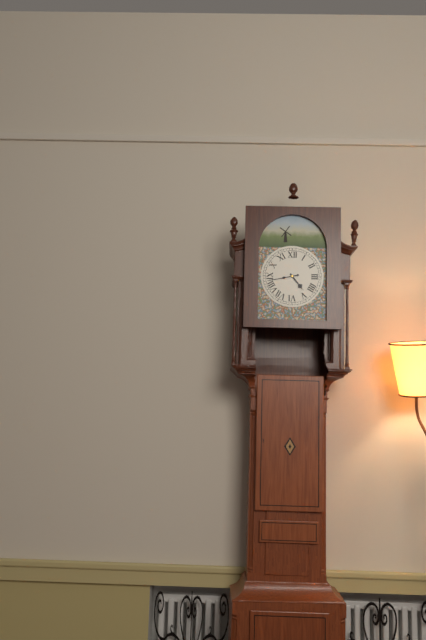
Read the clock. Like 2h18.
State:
4h43
